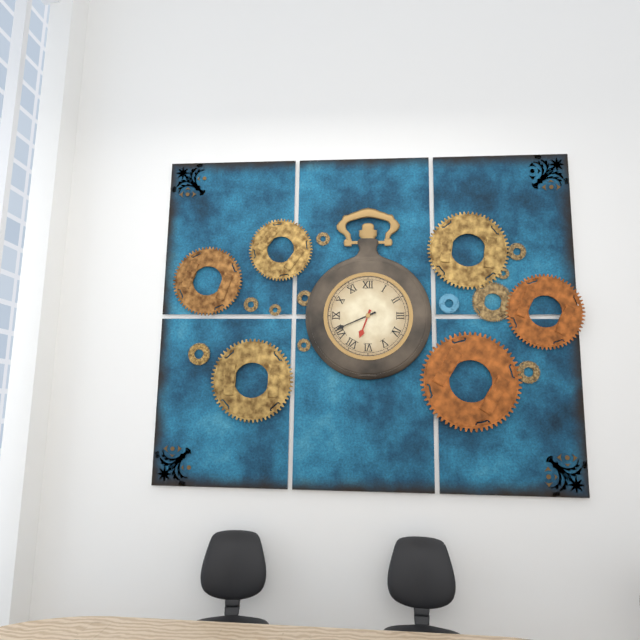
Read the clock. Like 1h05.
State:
6h41
